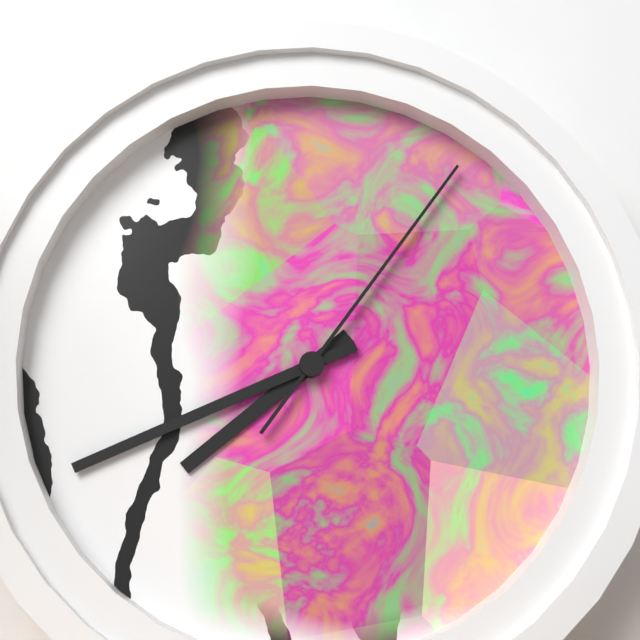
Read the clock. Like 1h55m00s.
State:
7h41m06s
